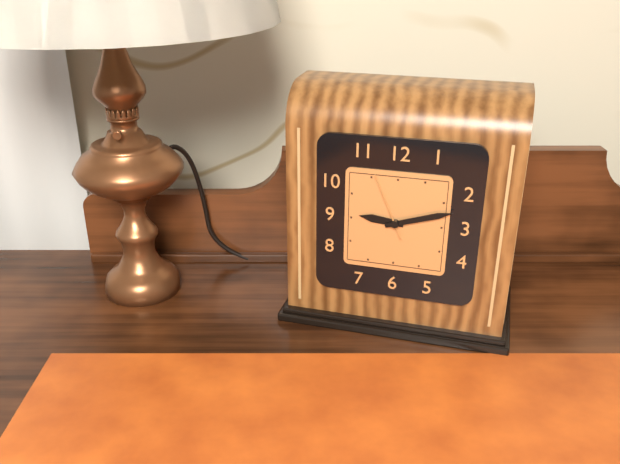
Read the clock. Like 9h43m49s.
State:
9h12m56s
